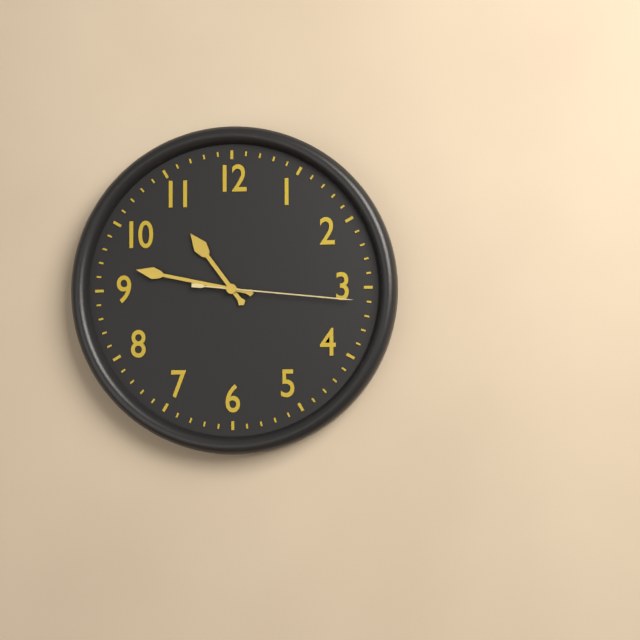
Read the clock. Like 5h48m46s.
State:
10h47m16s
